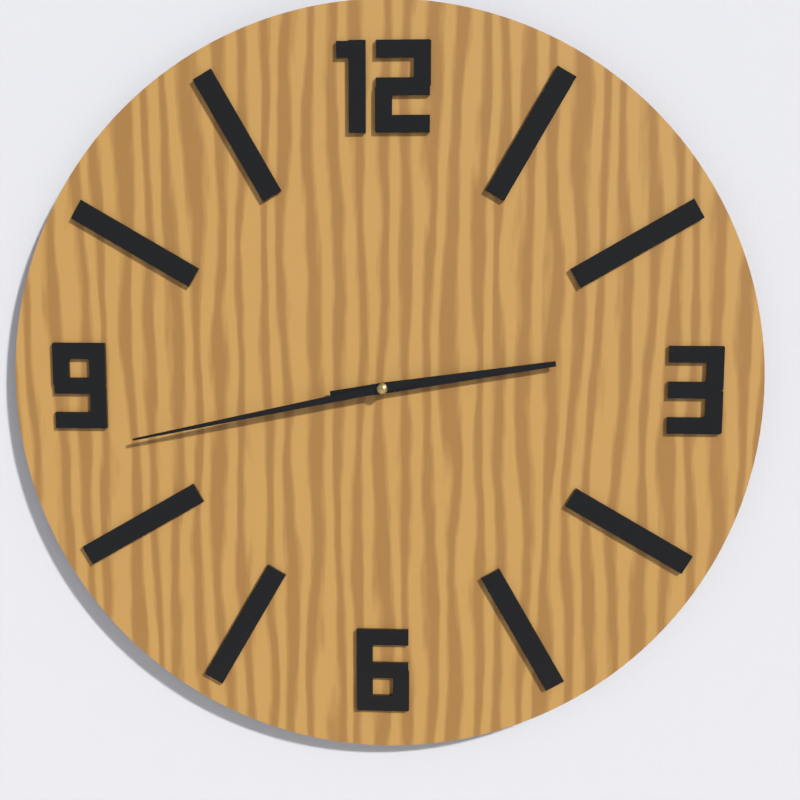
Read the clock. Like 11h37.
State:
2h43
